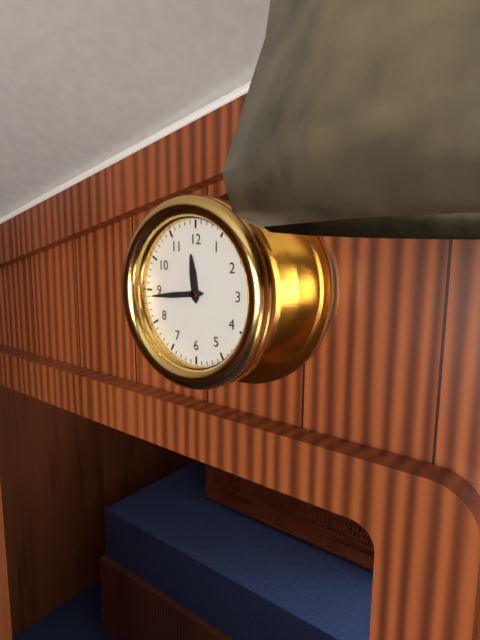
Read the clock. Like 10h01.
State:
11h44
